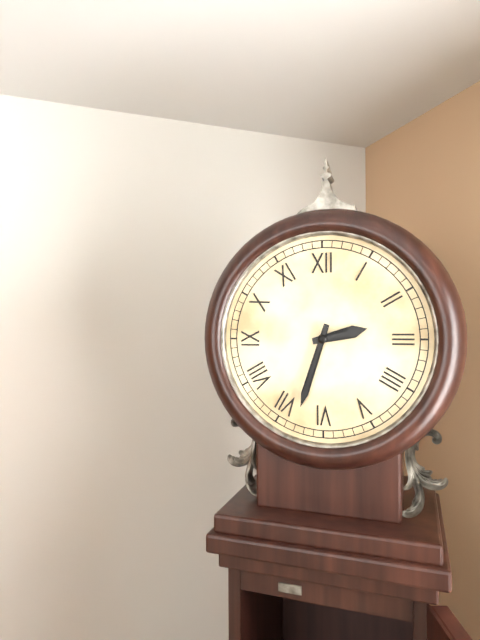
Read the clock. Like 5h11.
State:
2h33
